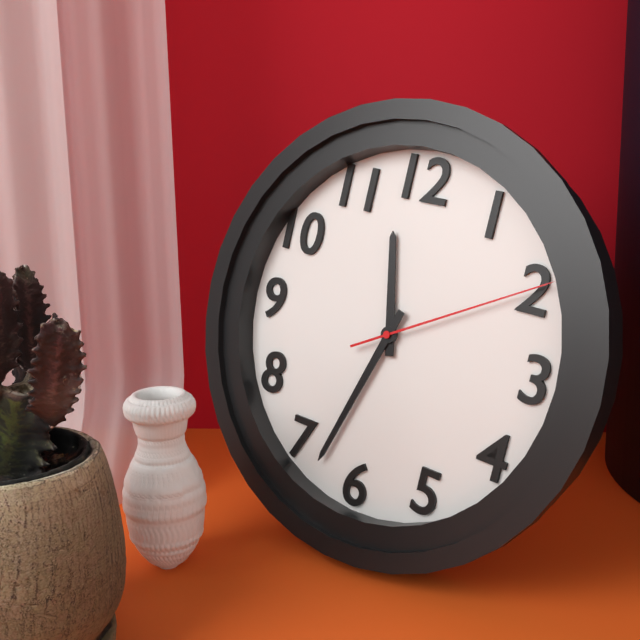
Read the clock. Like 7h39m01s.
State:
11h33m10s
